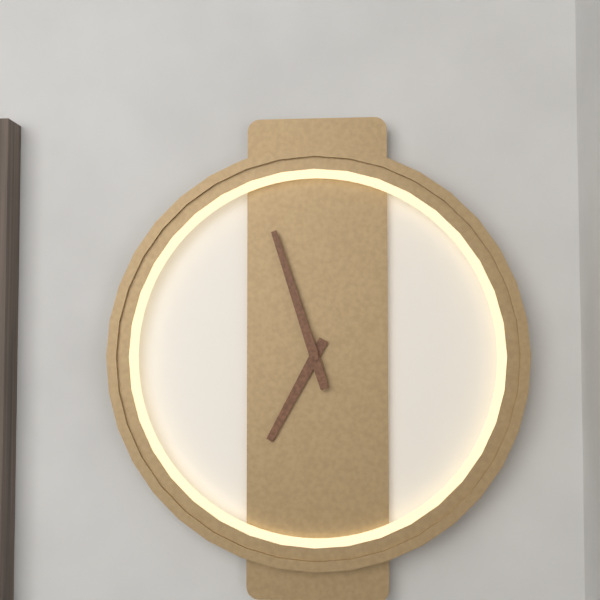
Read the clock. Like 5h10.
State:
6h57
